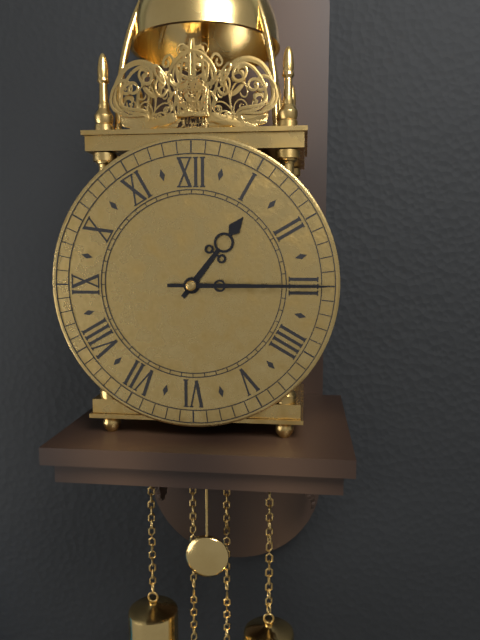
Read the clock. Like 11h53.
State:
1h15
